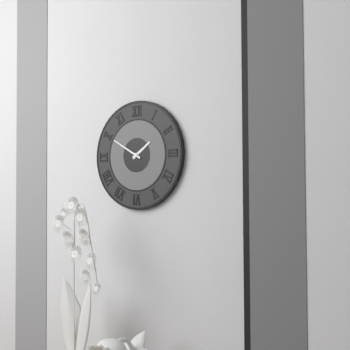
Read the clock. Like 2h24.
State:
1h50
